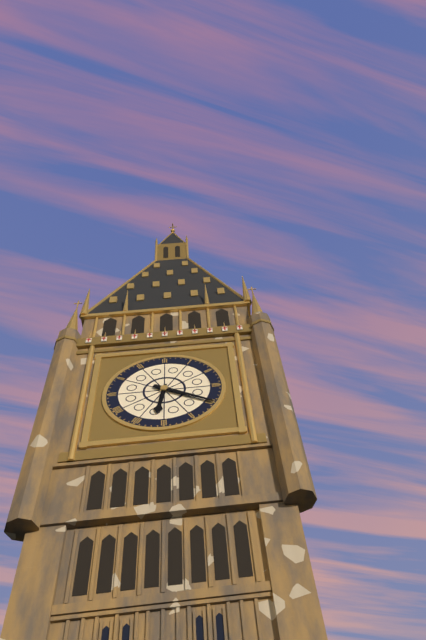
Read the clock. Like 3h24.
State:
6h20
